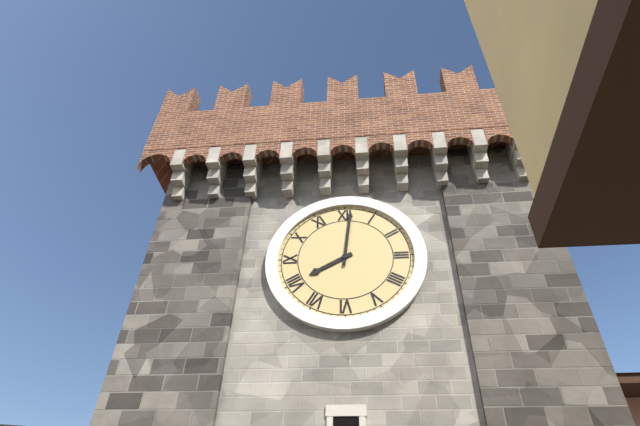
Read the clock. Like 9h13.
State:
8h01
